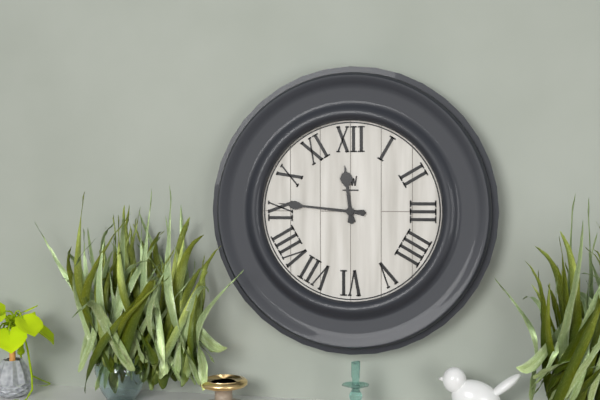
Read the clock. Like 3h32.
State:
11h46
